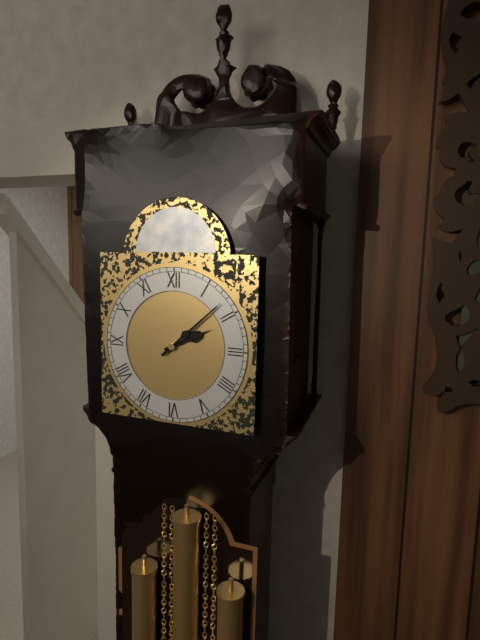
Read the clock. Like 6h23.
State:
2h08
